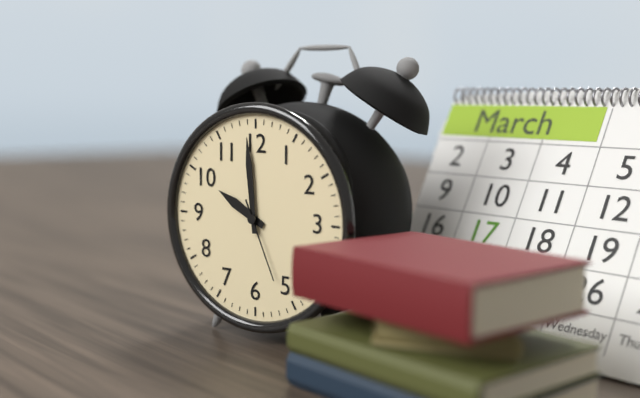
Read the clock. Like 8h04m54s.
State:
9h59m26s
